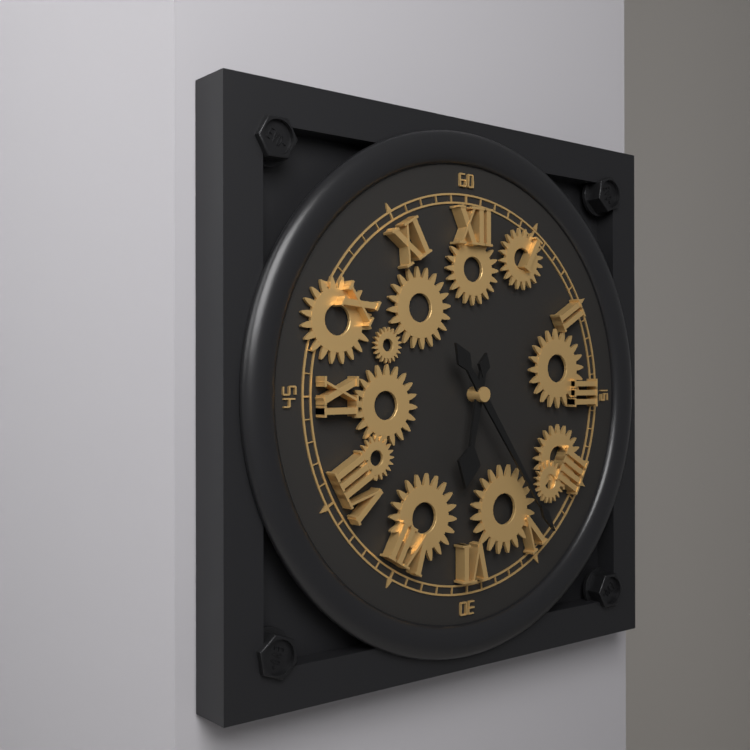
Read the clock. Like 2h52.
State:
6h24
